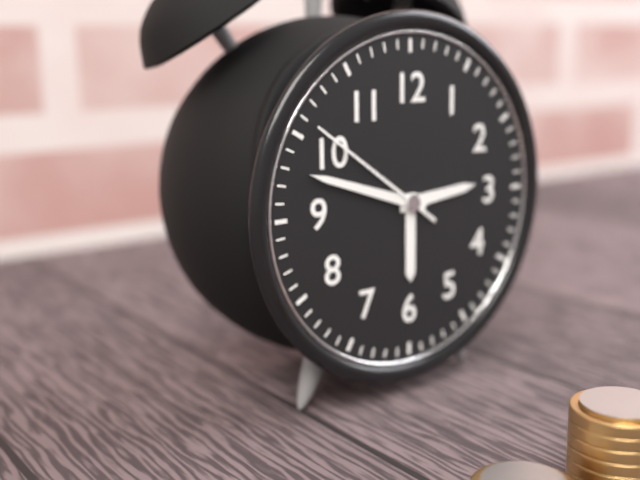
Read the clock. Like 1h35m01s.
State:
2h48m51s
